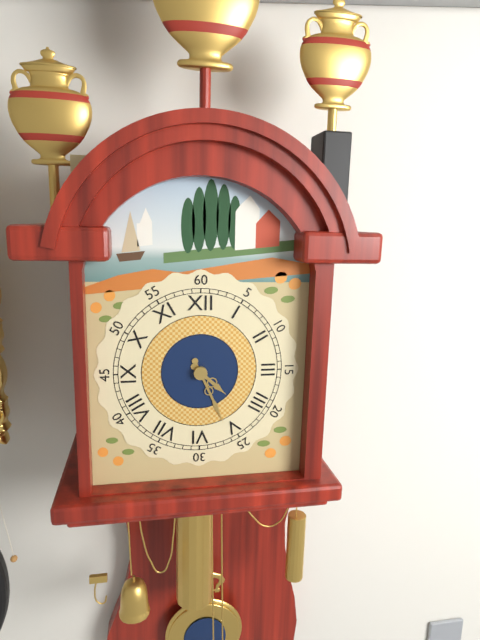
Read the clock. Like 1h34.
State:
4h26
